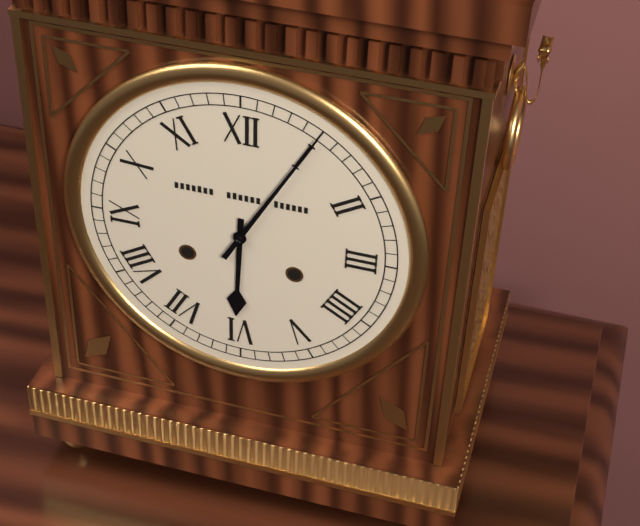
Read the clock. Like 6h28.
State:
6h05
